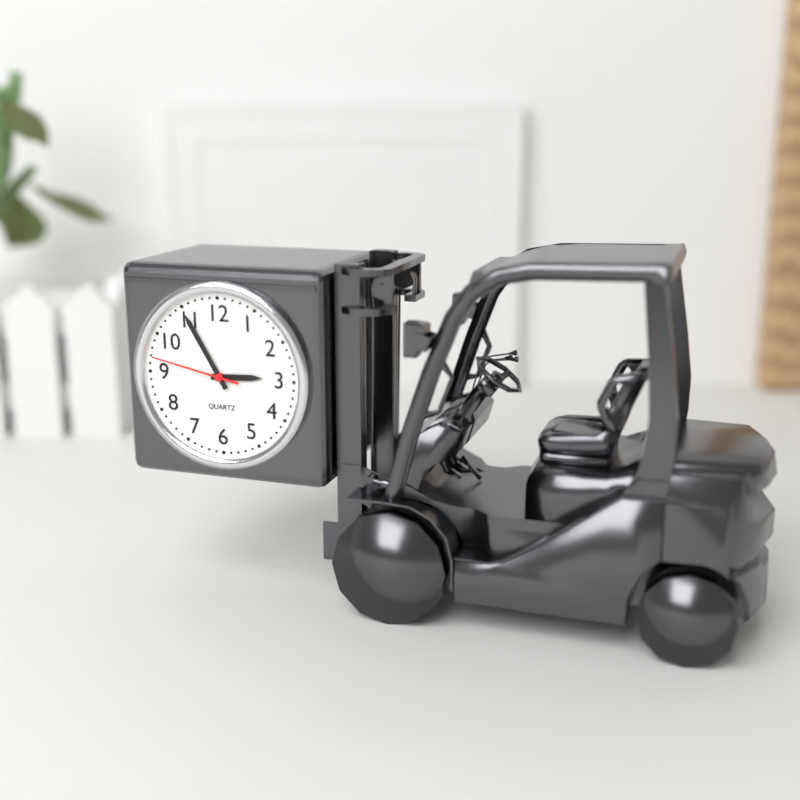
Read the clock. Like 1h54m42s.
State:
2h55m47s
